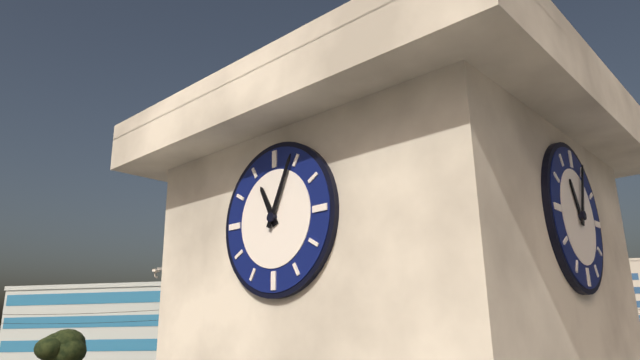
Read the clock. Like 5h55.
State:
11h04
